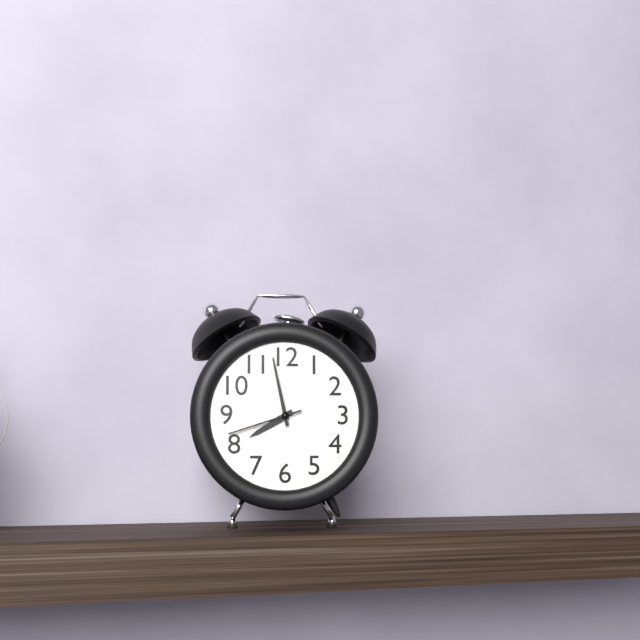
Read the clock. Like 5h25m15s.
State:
7h58m42s
